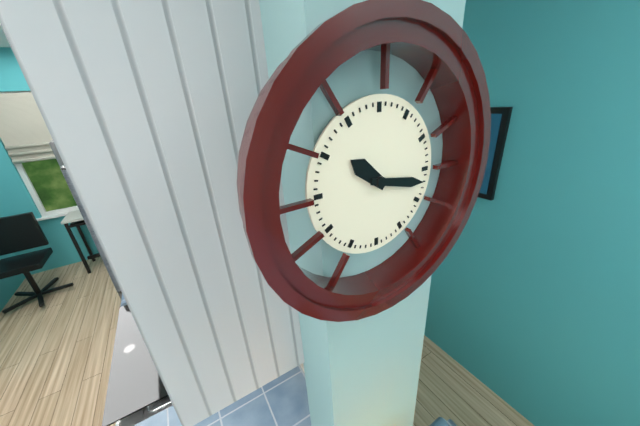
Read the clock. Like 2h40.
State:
10h17
